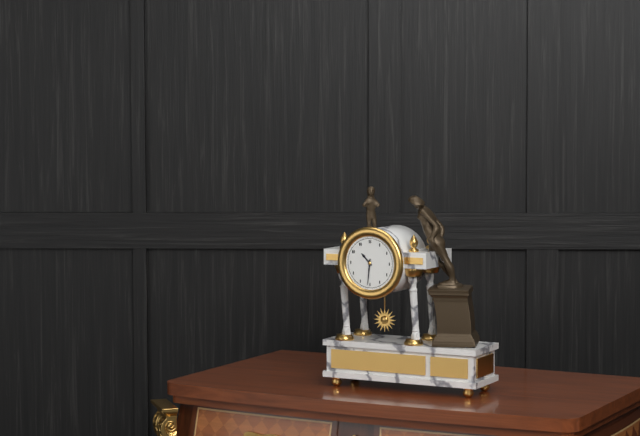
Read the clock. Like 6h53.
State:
10h31
